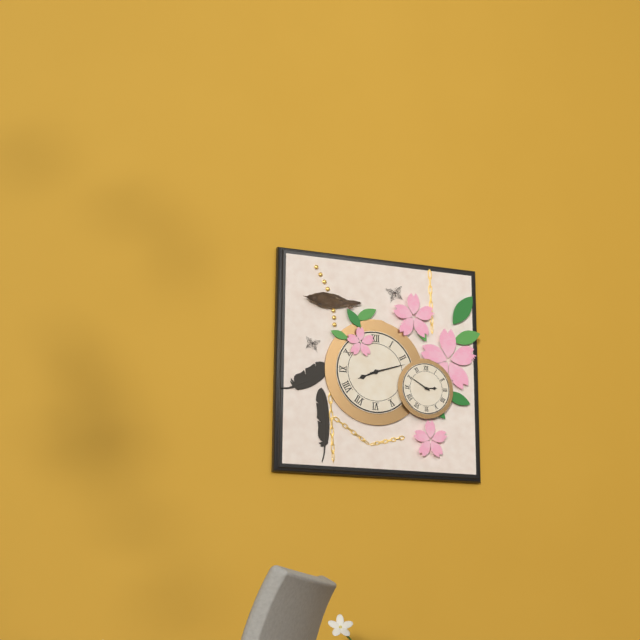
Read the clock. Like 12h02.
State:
8h12
